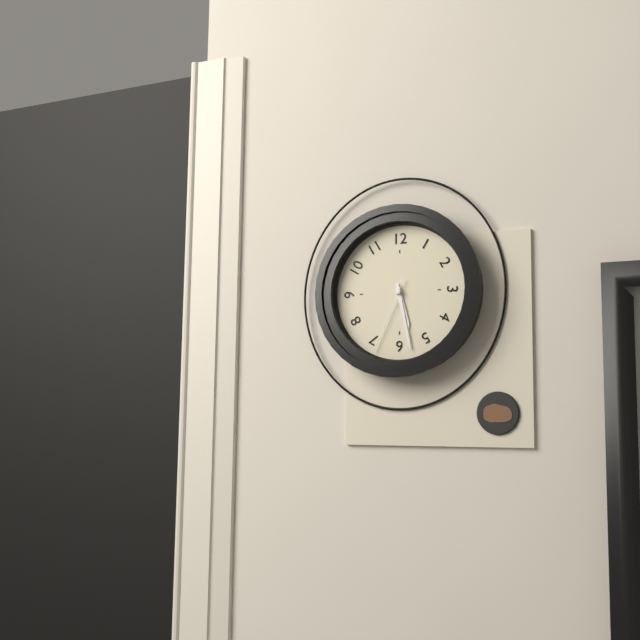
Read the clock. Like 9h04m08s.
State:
5h28m34s
